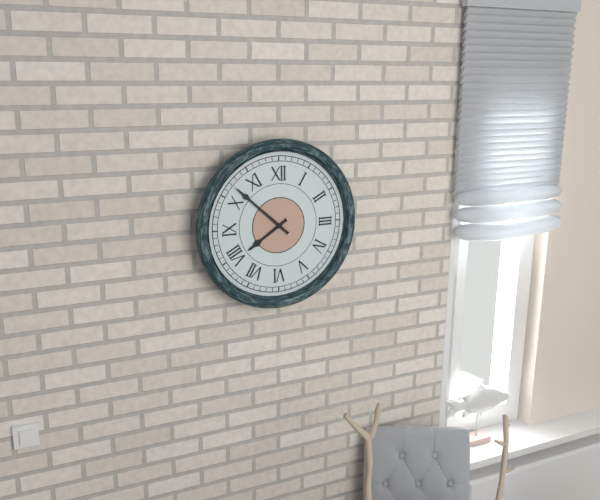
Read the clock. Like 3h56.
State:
7h52
